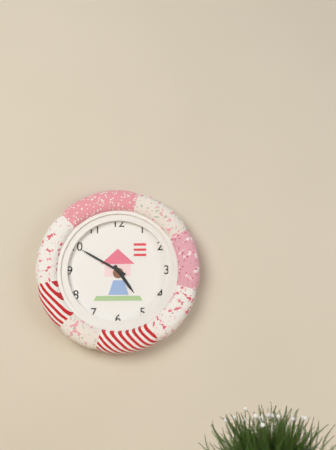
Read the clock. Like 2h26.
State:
4h50
